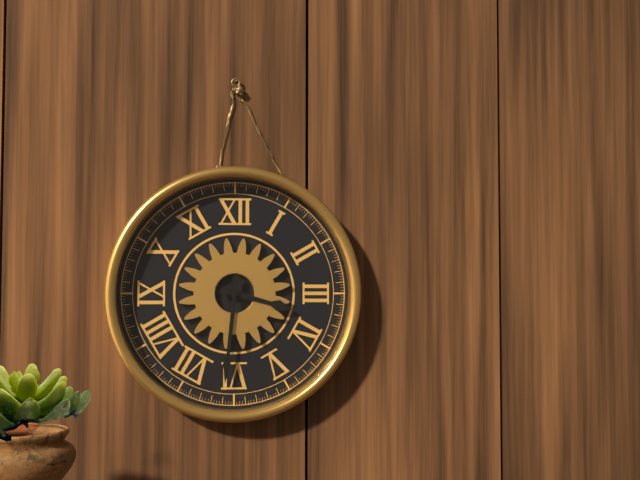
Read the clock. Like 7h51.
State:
3h31
